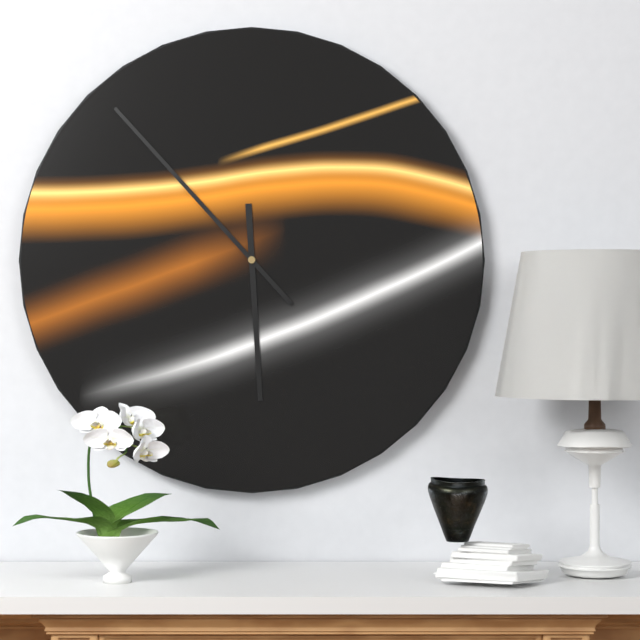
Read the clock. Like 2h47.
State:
5h53
